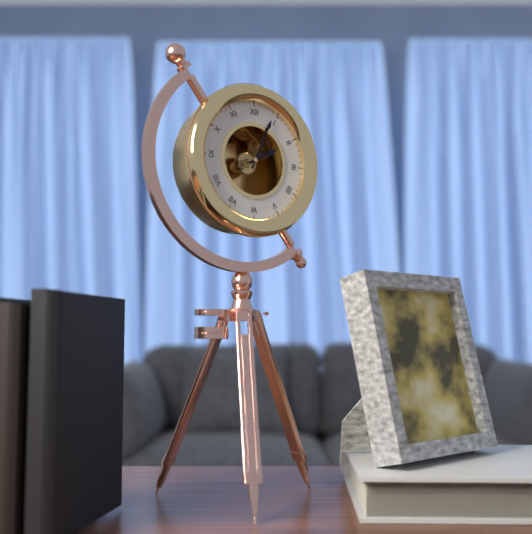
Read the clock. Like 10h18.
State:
2h04
